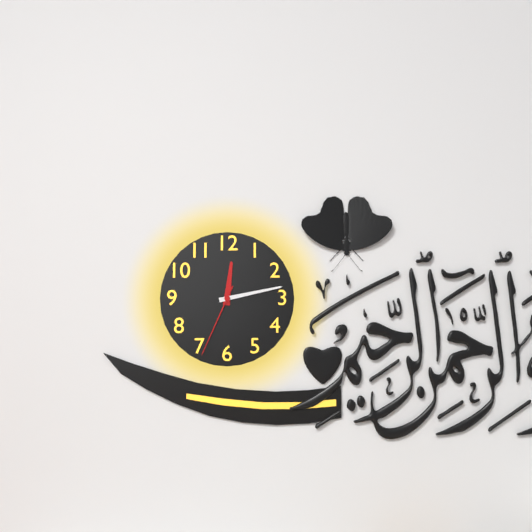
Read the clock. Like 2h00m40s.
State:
12h13m34s
